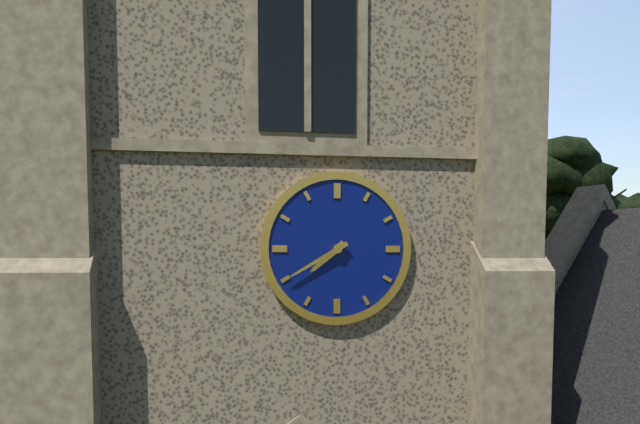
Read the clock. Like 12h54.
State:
7h40
